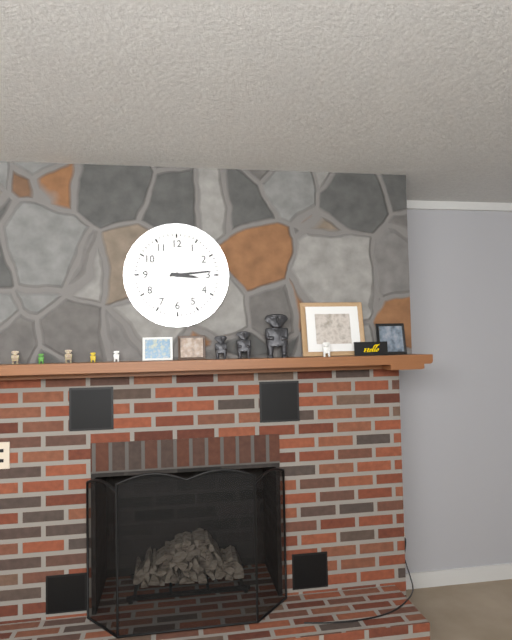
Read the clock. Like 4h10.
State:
3h14
